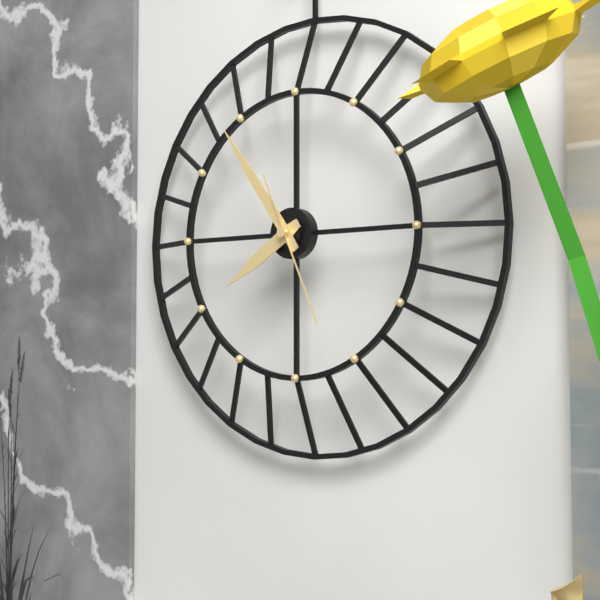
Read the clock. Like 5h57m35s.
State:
7h54m26s
